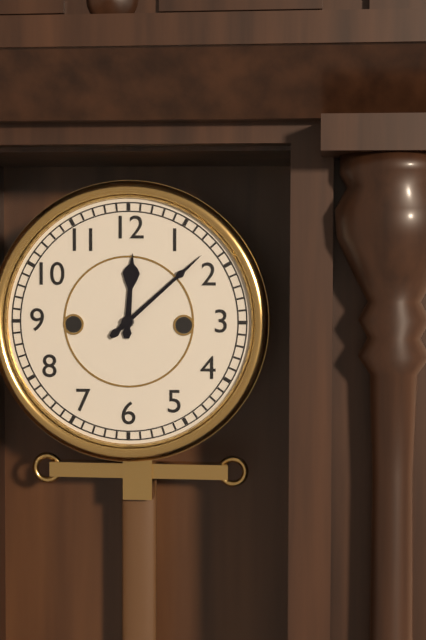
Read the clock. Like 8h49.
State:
12h08
